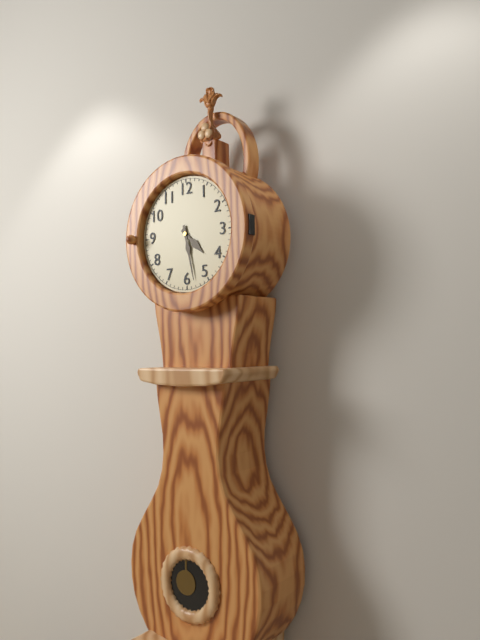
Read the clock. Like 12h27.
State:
4h28
